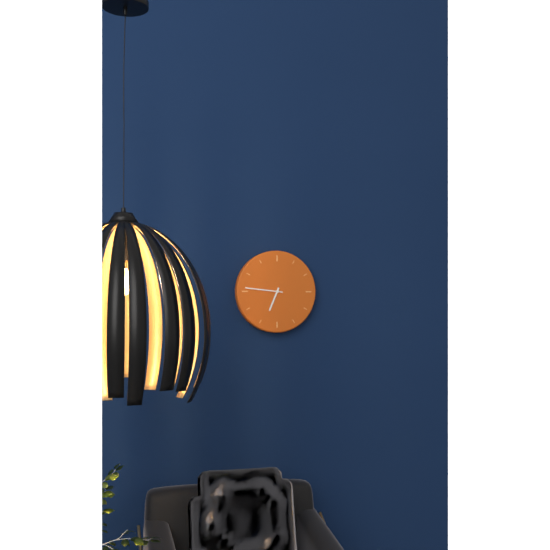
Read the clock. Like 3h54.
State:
6h46
